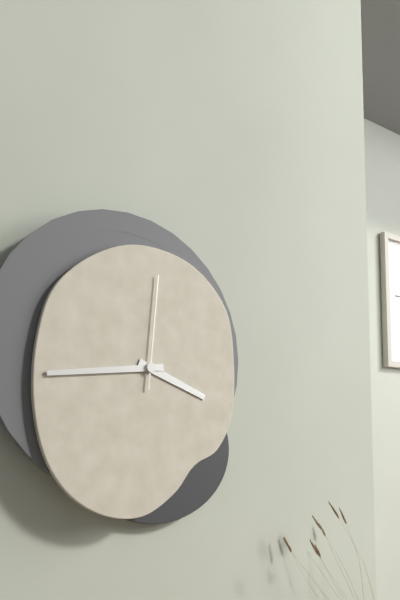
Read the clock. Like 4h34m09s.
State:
3h44m01s
